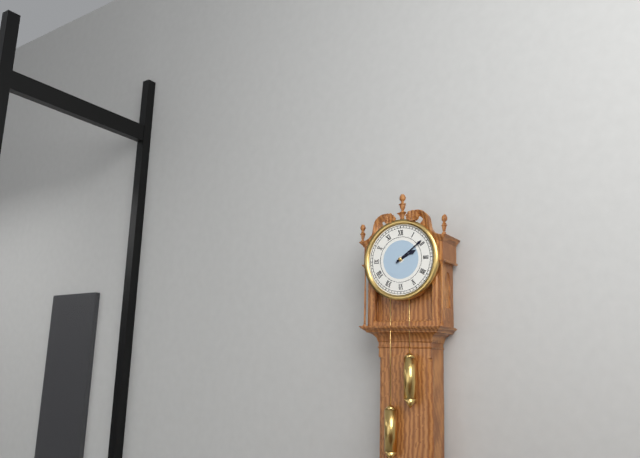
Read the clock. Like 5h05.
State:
2h09
